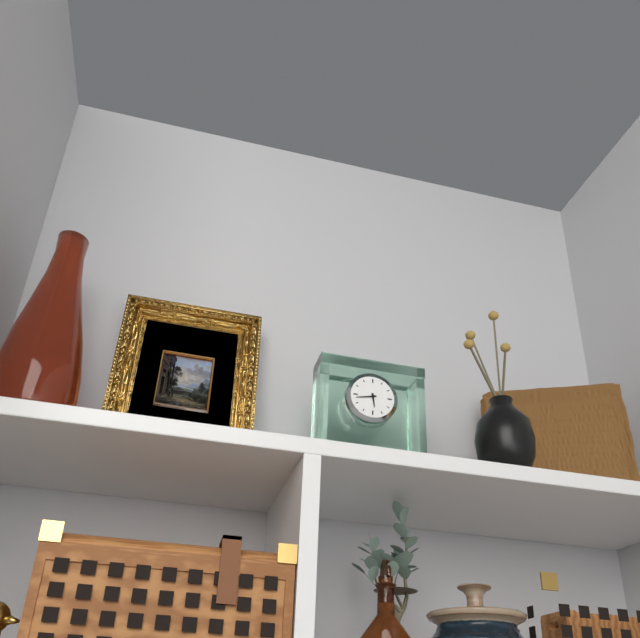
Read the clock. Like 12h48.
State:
5h43
